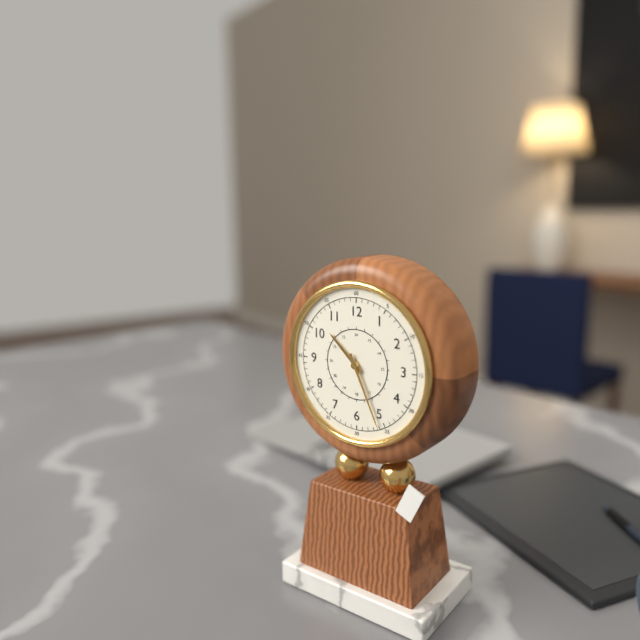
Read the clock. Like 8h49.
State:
10h26
